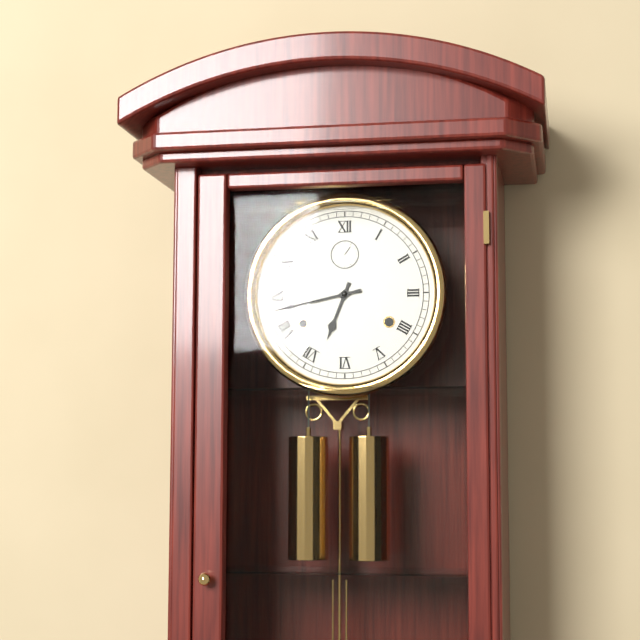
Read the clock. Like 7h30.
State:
6h43
